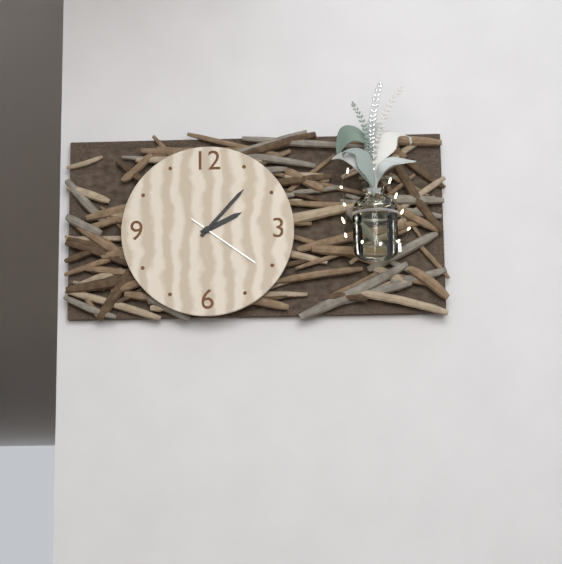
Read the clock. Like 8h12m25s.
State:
2h07m21s
